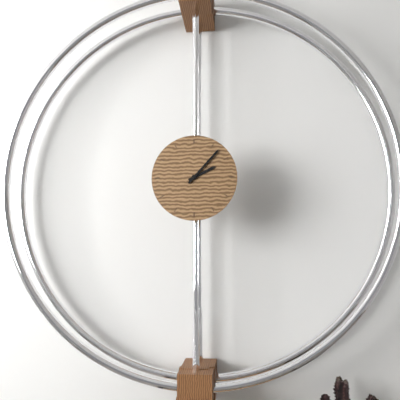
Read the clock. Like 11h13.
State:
2h07
